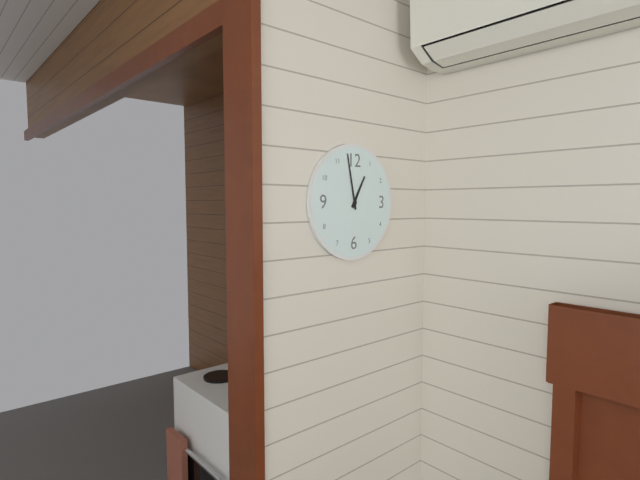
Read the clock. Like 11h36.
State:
12h58
